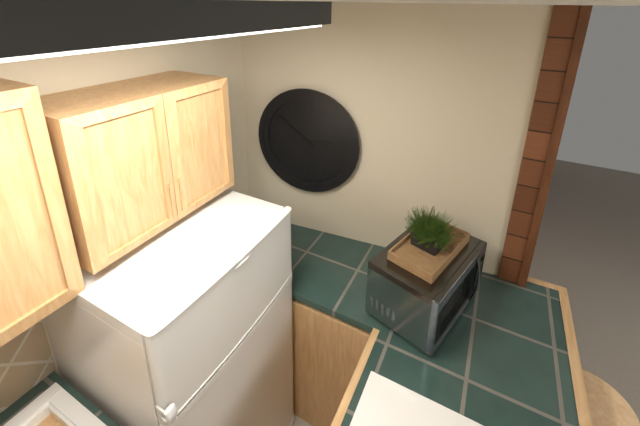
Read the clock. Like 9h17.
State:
2h51
